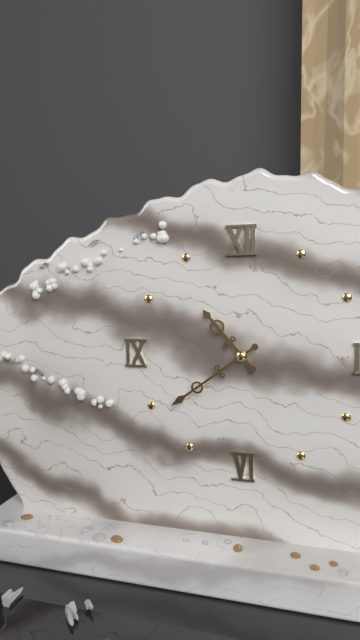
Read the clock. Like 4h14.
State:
10h39
